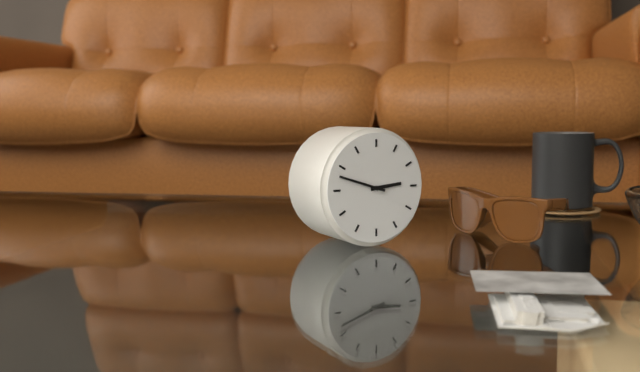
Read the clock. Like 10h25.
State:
2h48
